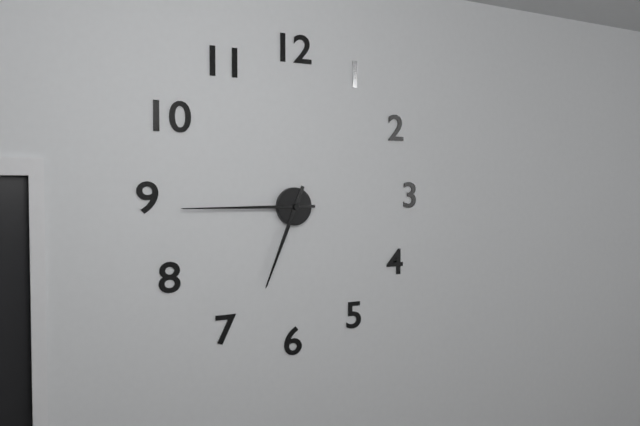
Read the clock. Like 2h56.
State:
6h45
